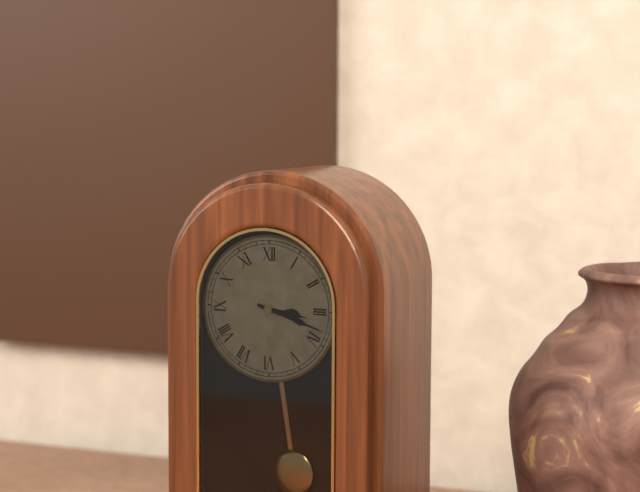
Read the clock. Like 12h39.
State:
3h18
